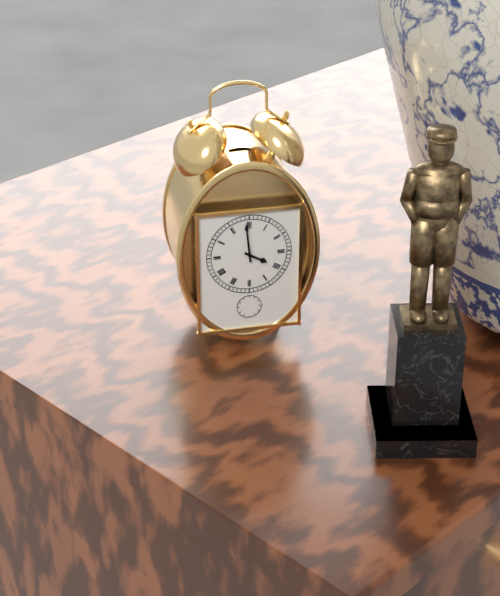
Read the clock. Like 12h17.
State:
3h59
